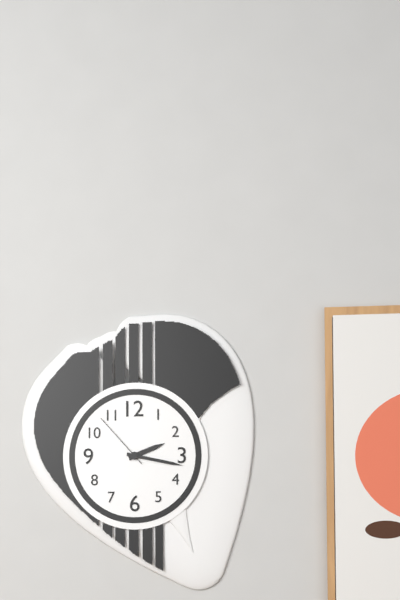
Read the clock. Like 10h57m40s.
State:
2h17m53s
